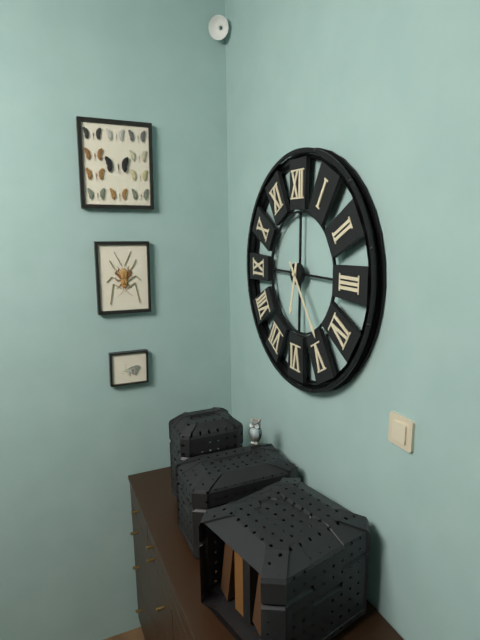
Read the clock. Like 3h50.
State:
6h24
